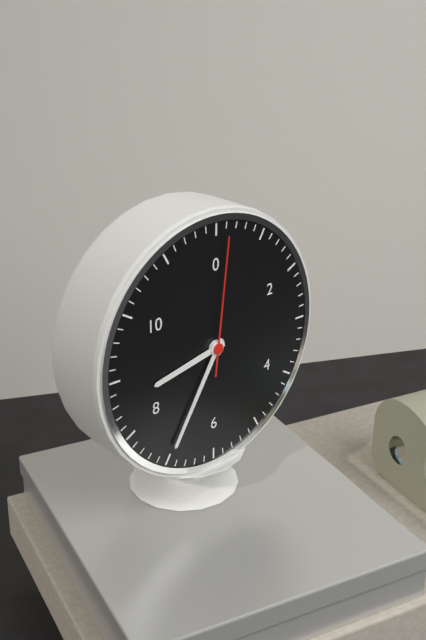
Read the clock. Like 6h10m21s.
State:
8h35m01s
